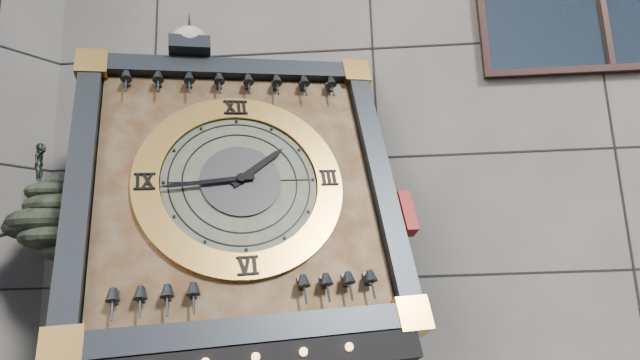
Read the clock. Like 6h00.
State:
1h44
